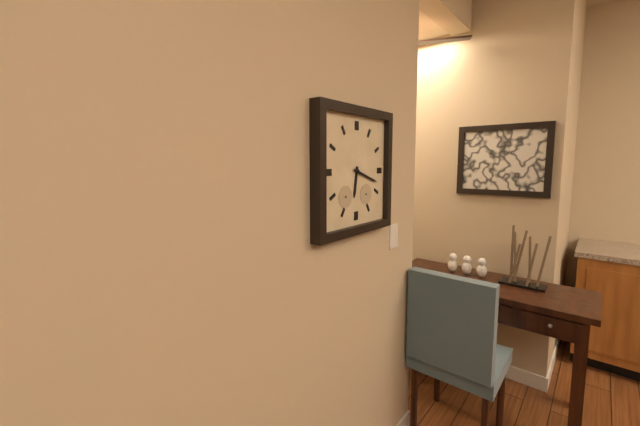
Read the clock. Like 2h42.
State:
6h18
